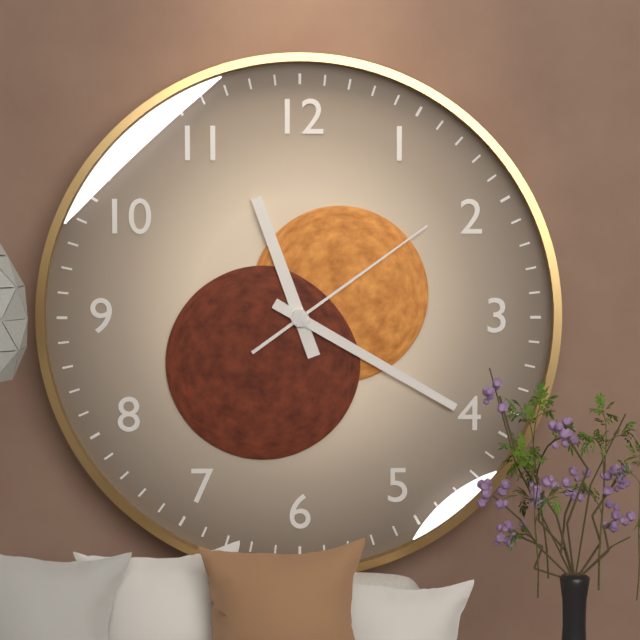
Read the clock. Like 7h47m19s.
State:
11h20m09s
